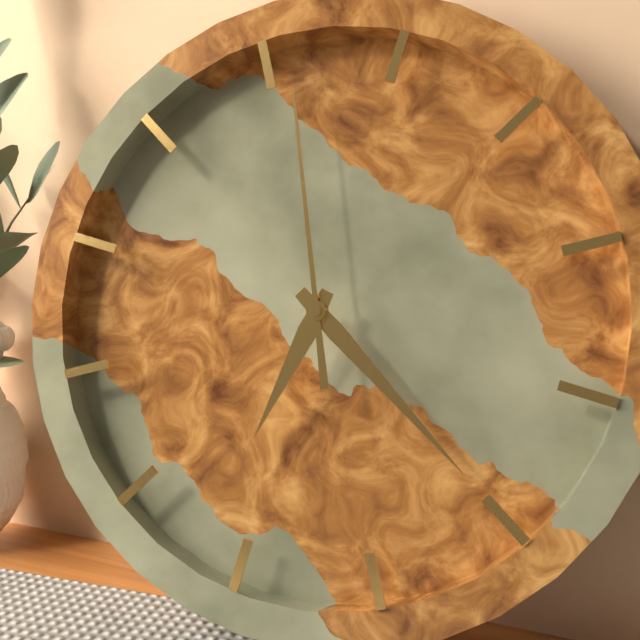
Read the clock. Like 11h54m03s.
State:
6h20m56s
